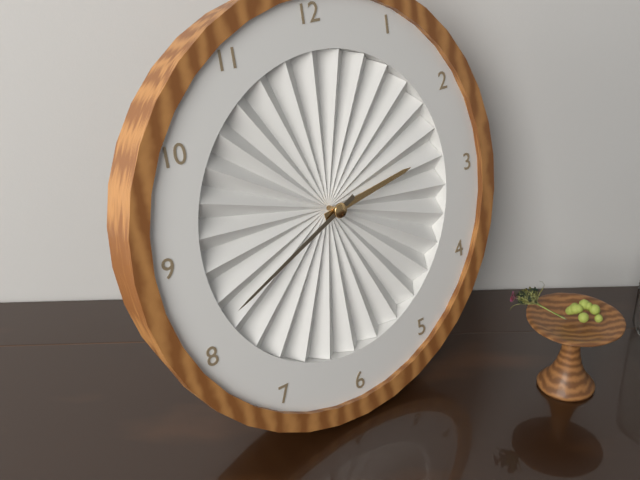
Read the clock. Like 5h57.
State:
2h41
